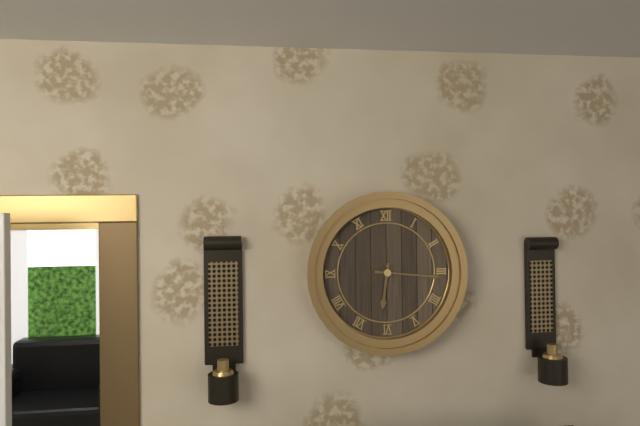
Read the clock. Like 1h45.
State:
6h16
